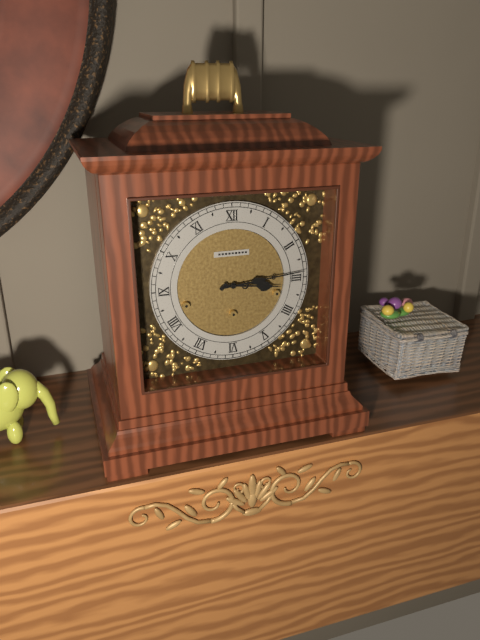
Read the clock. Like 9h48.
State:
3h14
